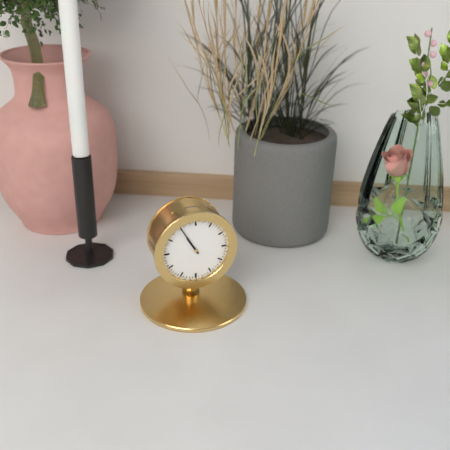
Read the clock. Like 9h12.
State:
10h55
